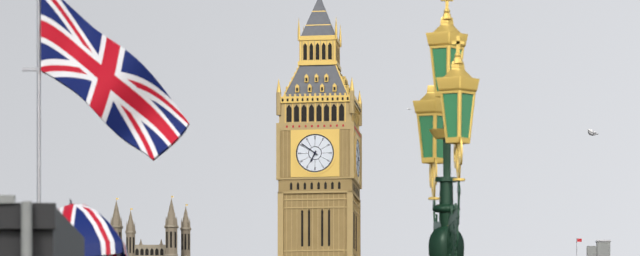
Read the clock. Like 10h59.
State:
6h51
